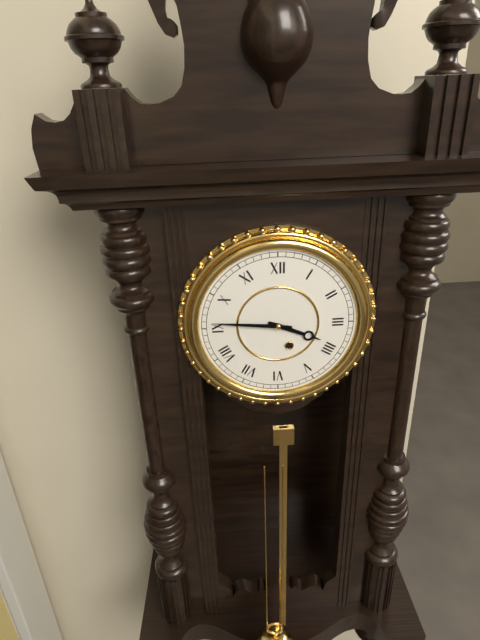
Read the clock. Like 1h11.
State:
3h46
